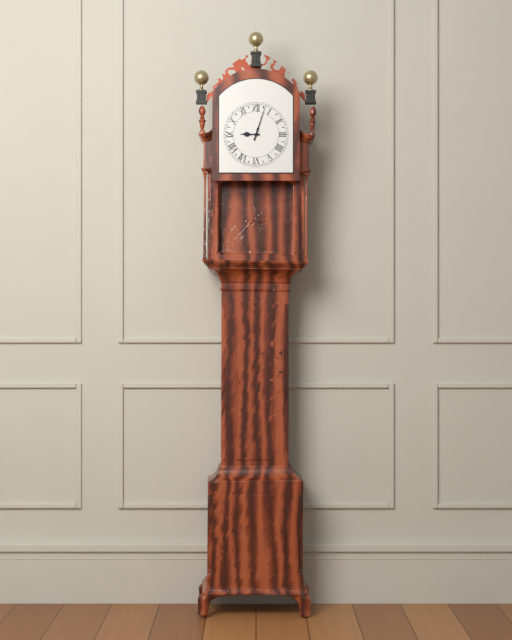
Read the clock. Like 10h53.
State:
9h03
